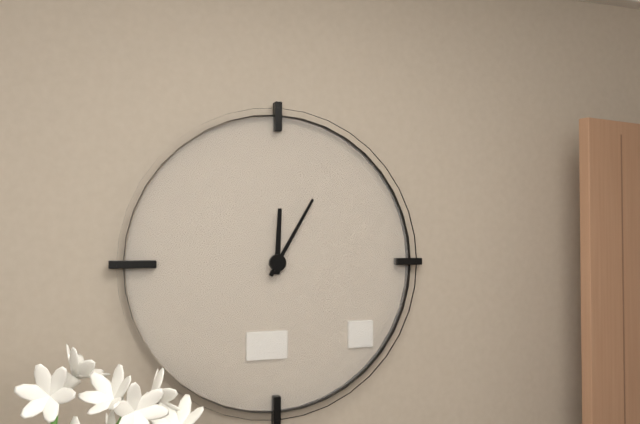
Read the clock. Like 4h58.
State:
12h05
